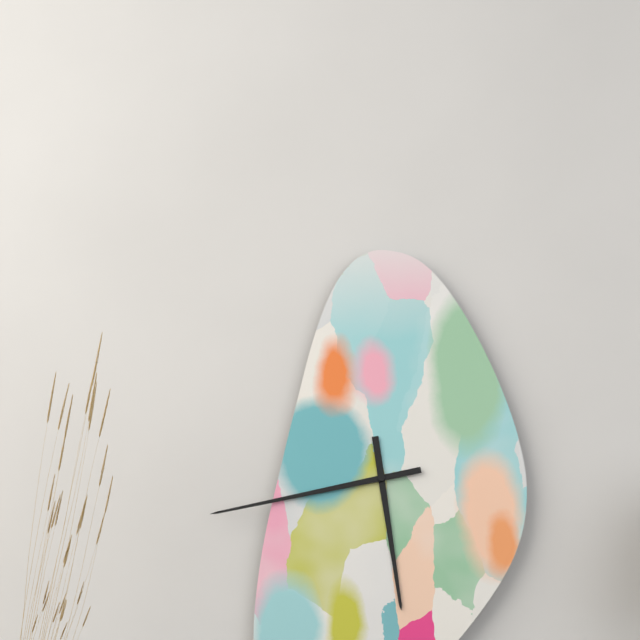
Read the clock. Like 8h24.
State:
5h43
